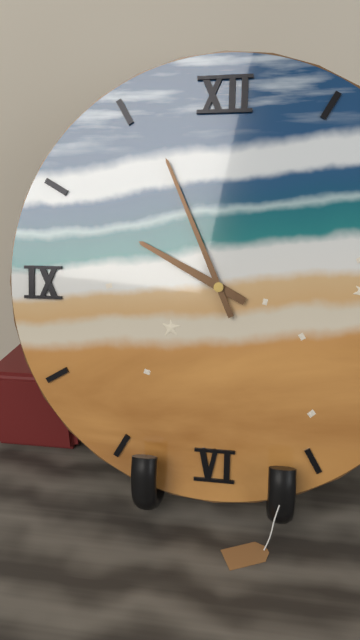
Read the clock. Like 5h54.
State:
9h56
